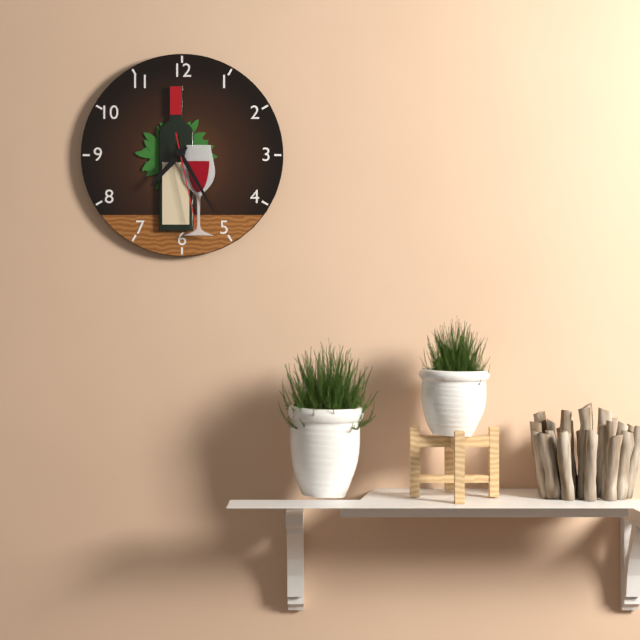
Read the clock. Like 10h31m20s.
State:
7h25m28s
